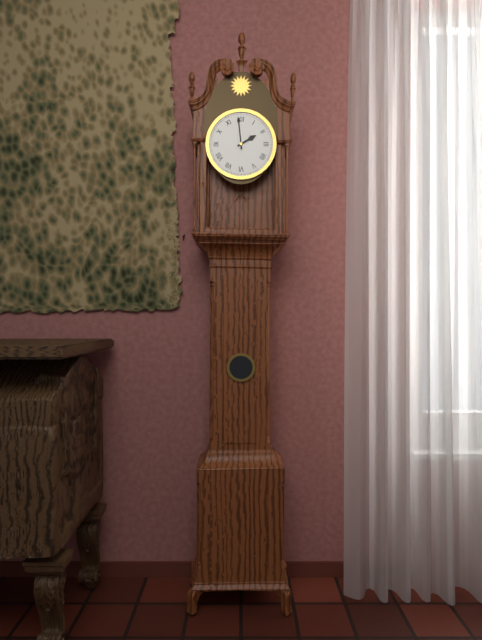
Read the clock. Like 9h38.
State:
1h59
